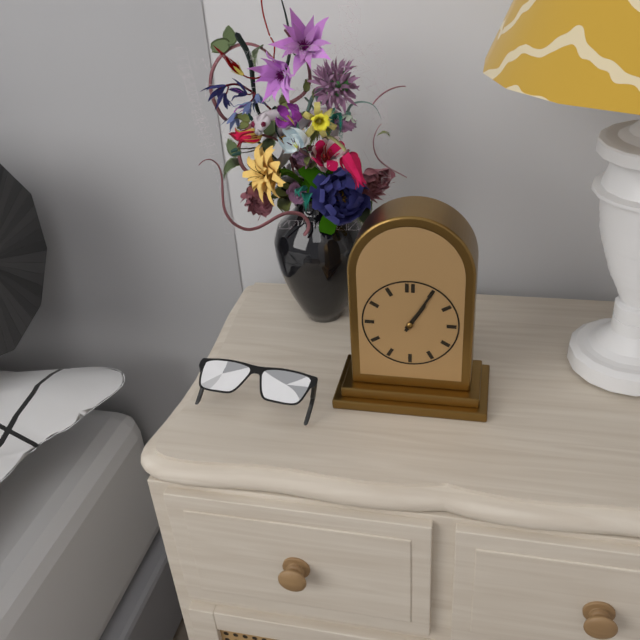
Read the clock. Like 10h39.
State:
1h05
